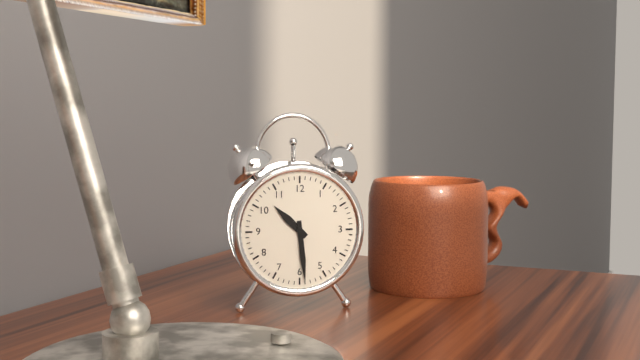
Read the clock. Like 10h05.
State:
10h29
